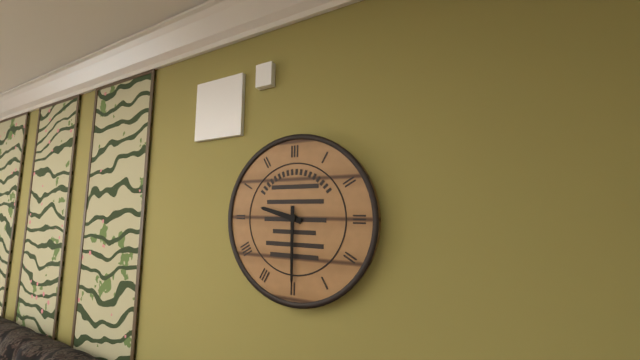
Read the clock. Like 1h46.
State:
9h30
